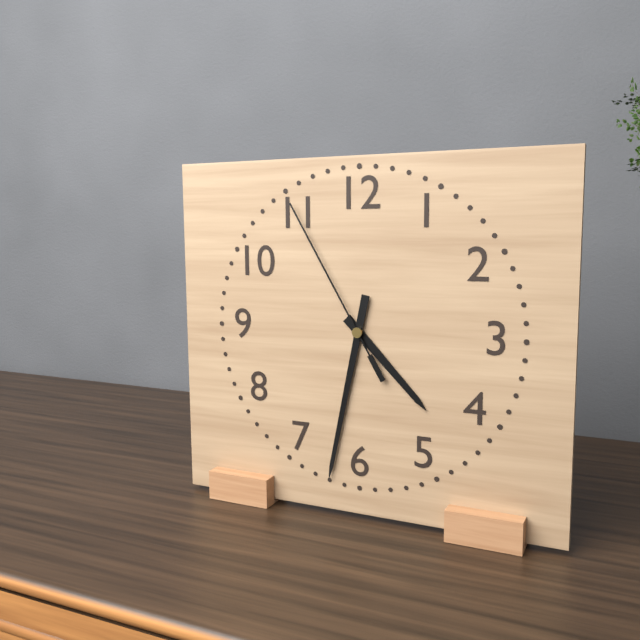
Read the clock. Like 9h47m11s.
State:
4h32m55s
